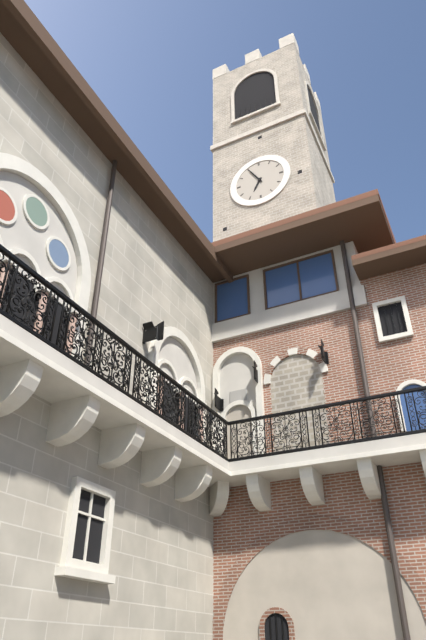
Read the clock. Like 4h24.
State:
6h55
